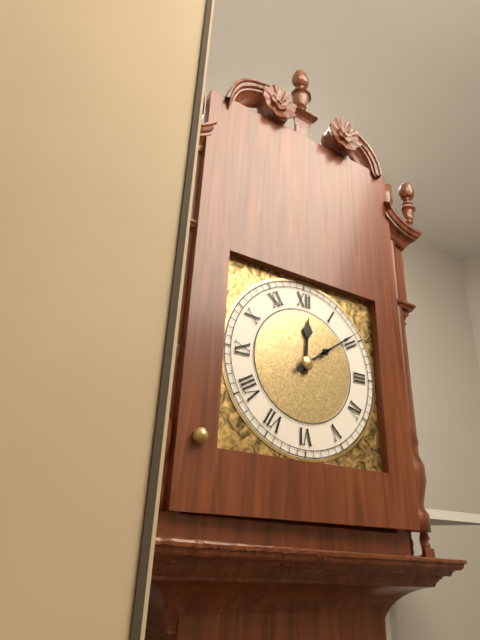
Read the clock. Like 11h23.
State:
12h09
